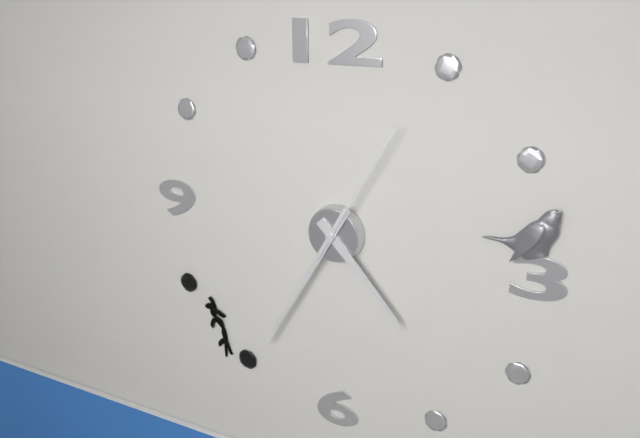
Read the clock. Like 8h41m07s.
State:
4h35m05s
